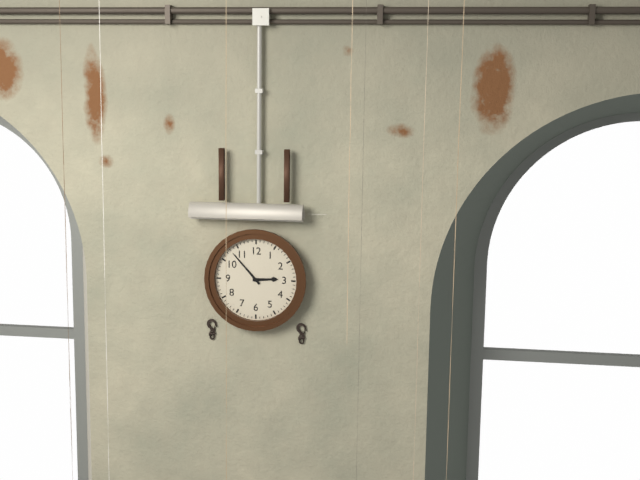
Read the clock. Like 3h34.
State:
2h53
